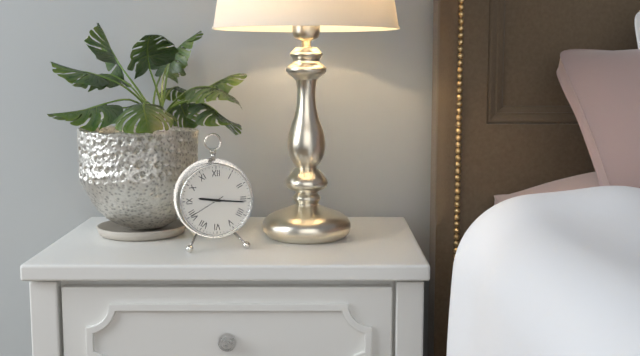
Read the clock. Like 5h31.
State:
9h16
